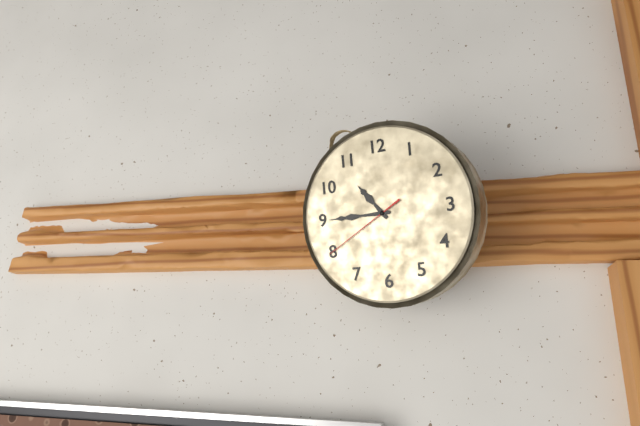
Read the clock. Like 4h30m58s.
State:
10h45m40s
